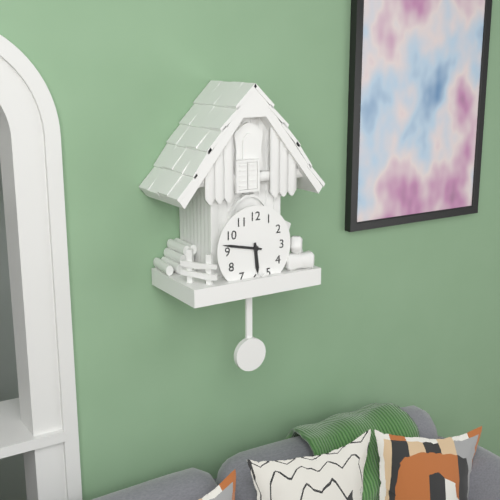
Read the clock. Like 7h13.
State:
5h47
